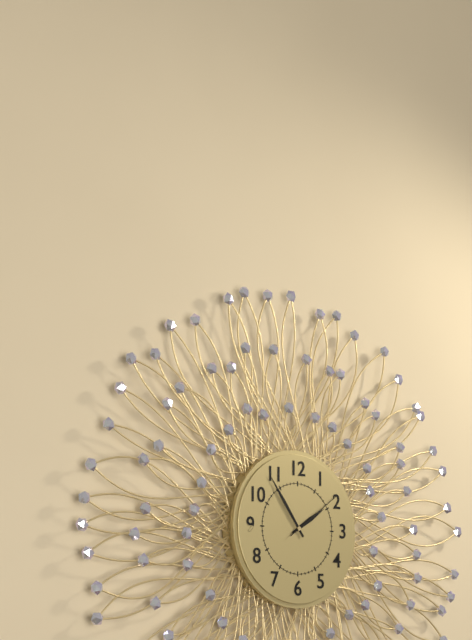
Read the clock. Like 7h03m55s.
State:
1h54m09s
